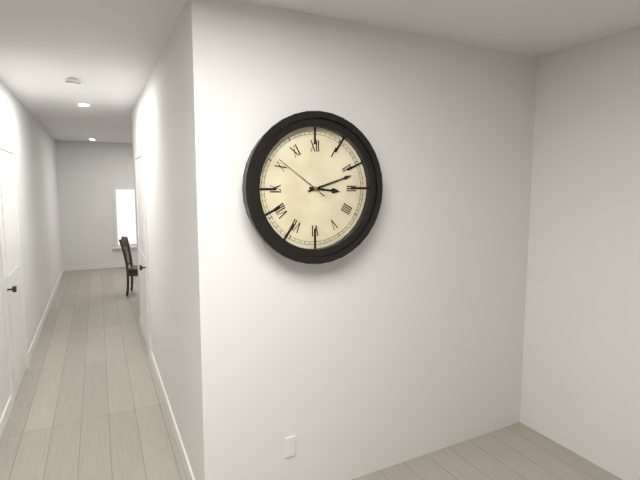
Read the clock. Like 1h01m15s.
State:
3h12m51s
